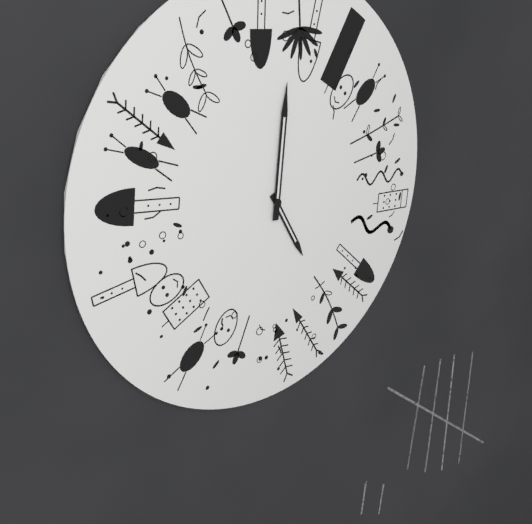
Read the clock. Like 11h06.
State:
5h01
